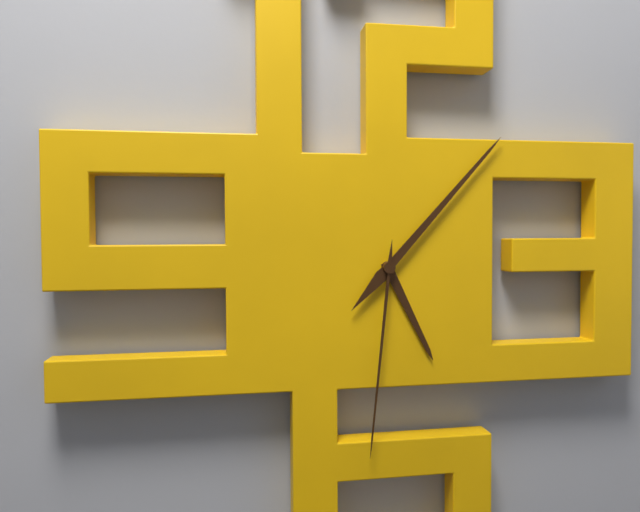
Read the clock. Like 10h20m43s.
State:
5h07m31s
